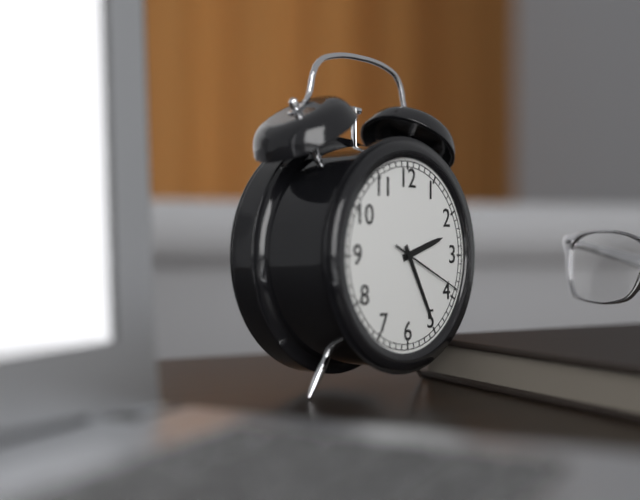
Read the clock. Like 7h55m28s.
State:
2h25m19s
